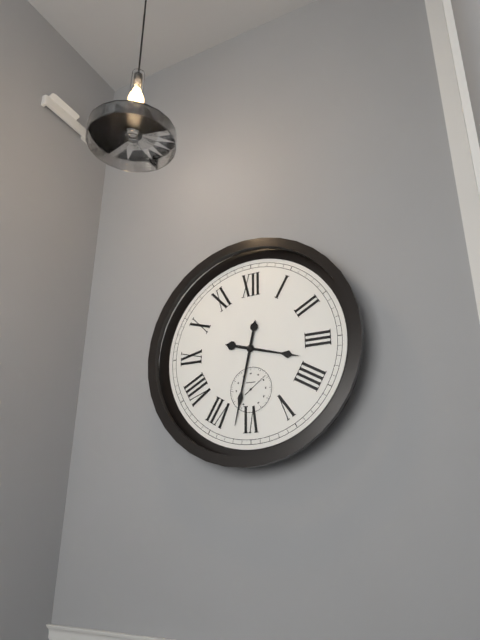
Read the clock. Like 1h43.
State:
3h32
